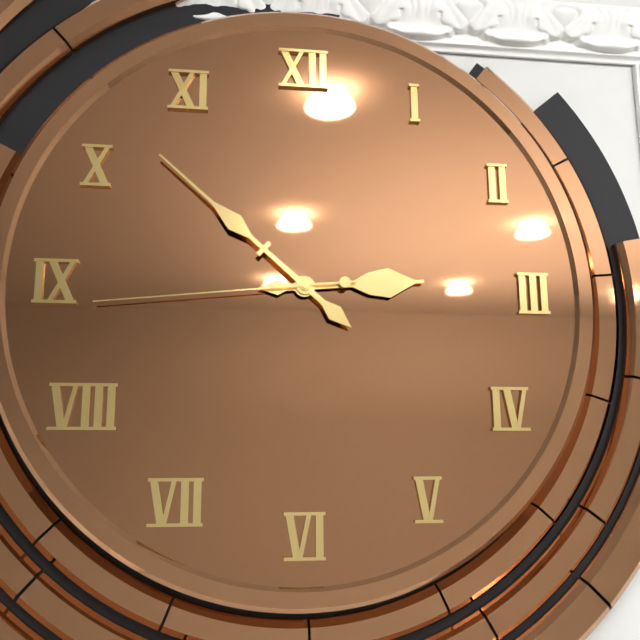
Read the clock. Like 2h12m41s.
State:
2h52m44s
